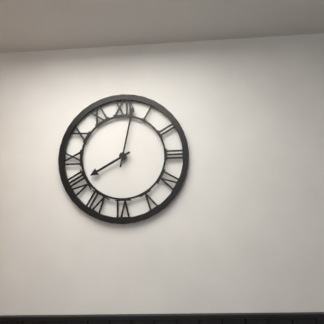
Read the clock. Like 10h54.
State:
8h02
